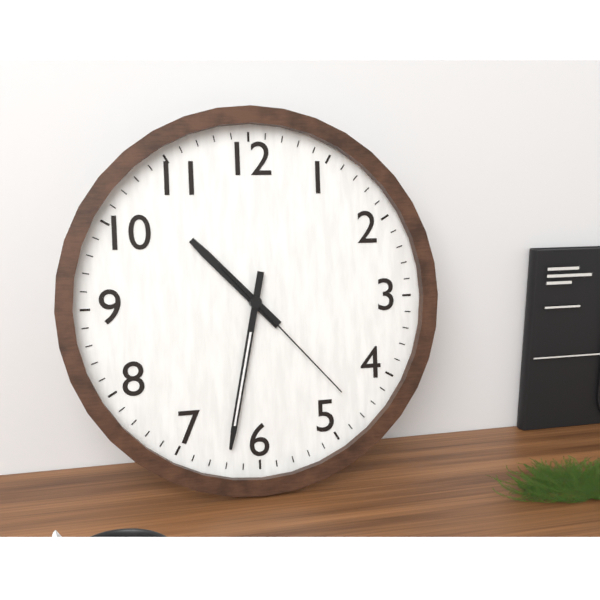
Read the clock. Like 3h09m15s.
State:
10h32m23s
